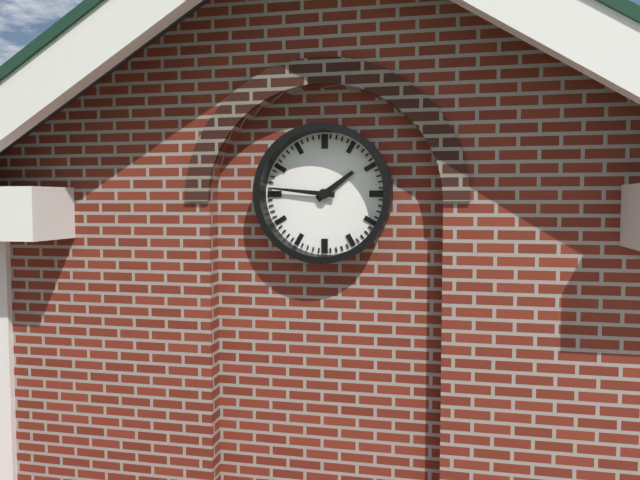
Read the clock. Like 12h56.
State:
1h46
